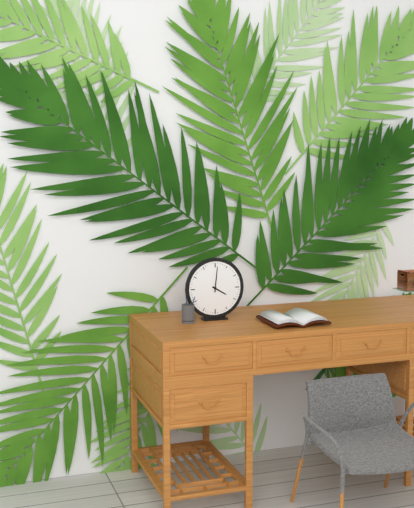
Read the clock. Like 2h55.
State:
4h01
